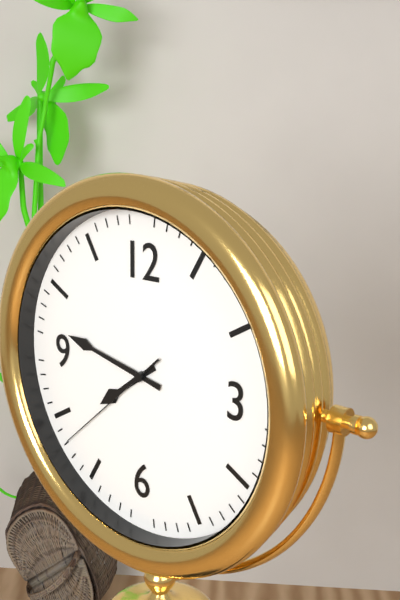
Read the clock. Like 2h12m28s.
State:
7h47m38s
